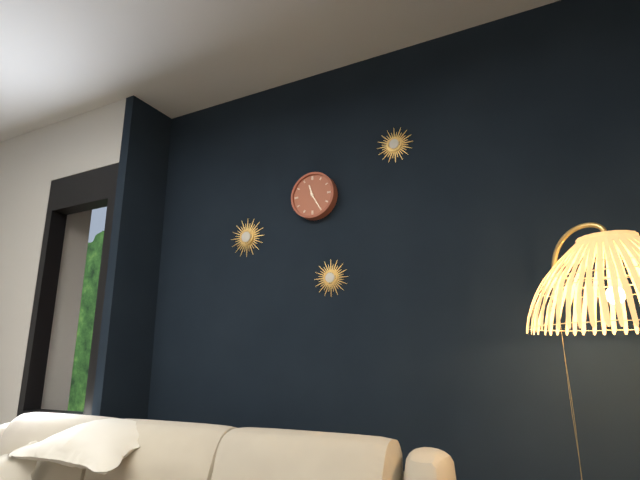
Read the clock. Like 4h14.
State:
11h25
